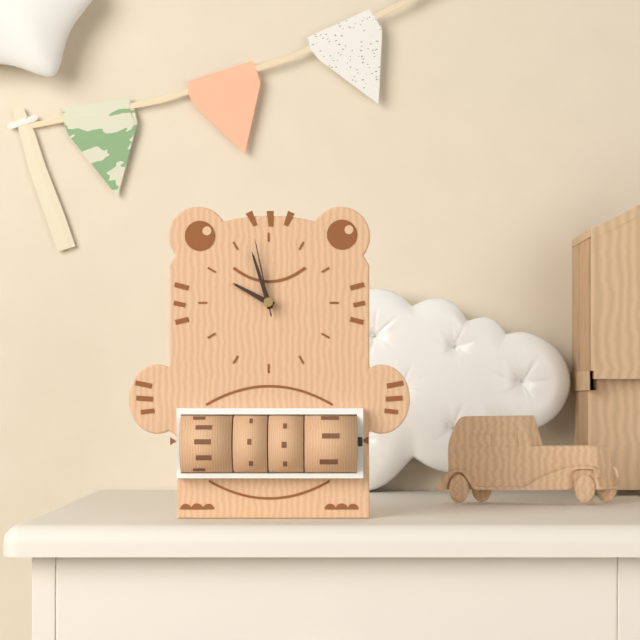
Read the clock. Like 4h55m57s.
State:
9h57m58s
